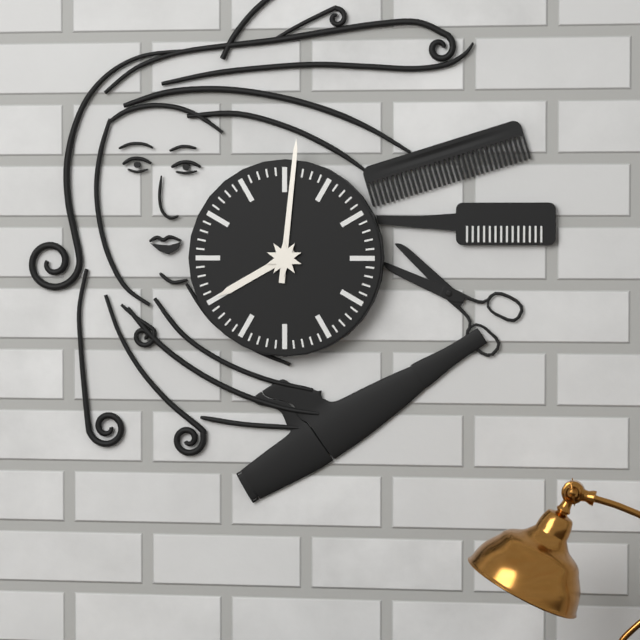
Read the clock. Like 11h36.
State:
8h01
